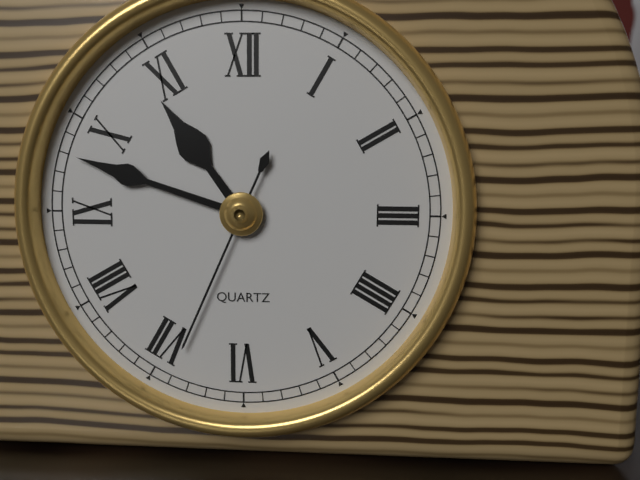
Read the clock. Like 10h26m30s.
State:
10h48m34s
